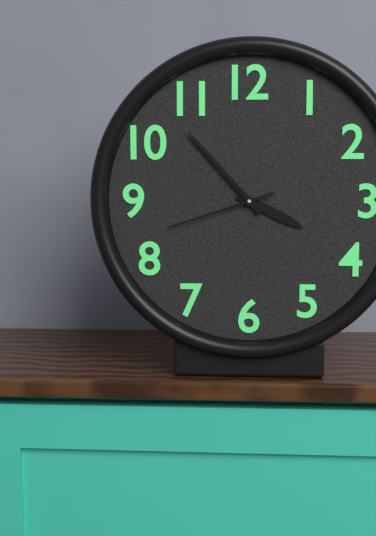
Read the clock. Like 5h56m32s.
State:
3h53m42s
